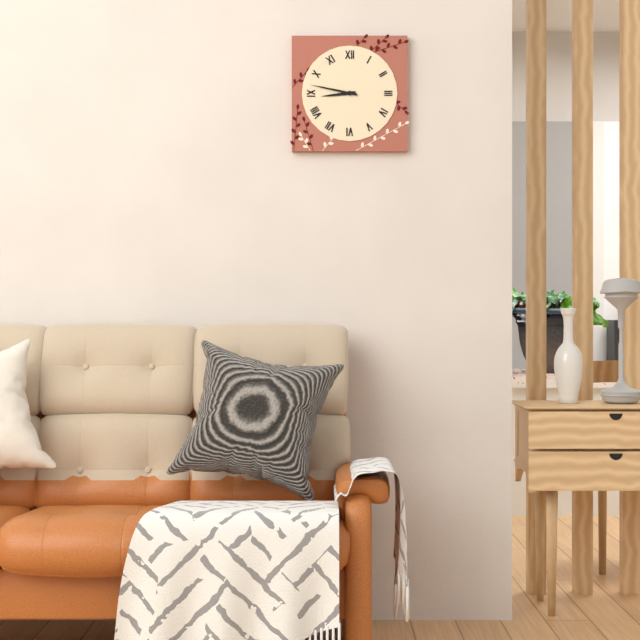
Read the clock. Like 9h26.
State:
8h47
